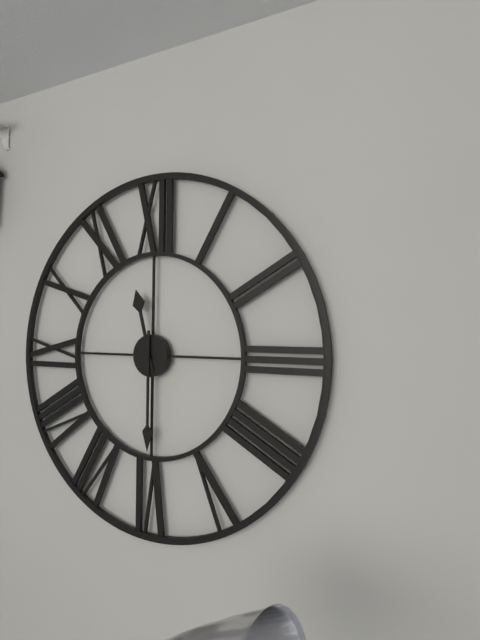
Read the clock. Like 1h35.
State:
11h30
